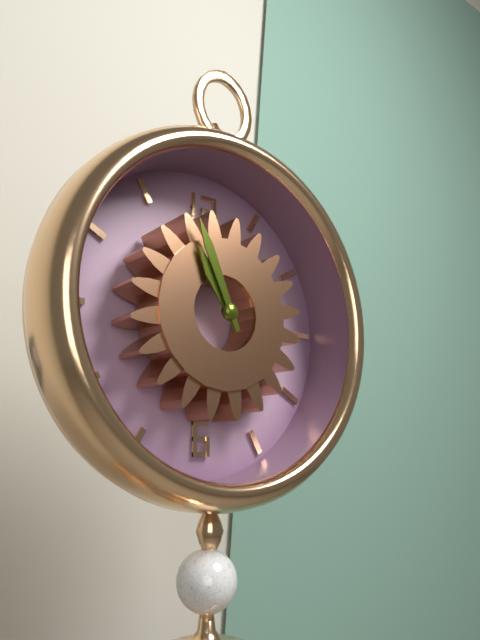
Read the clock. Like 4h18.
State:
10h56
